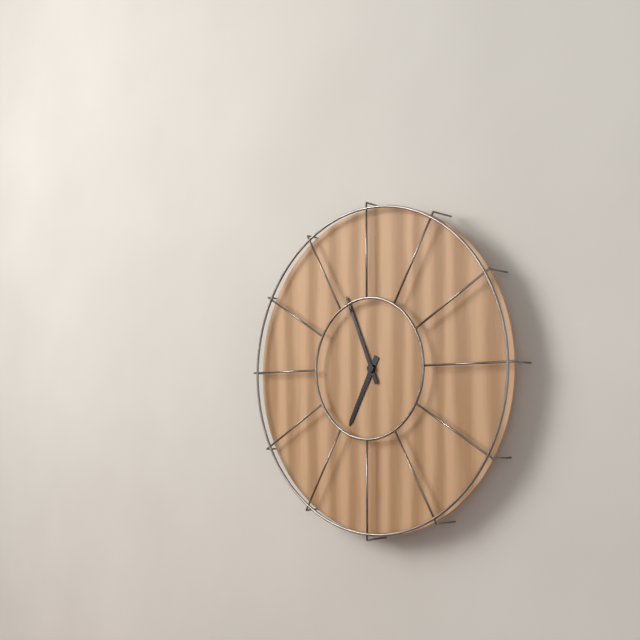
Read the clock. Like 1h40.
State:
6h56
